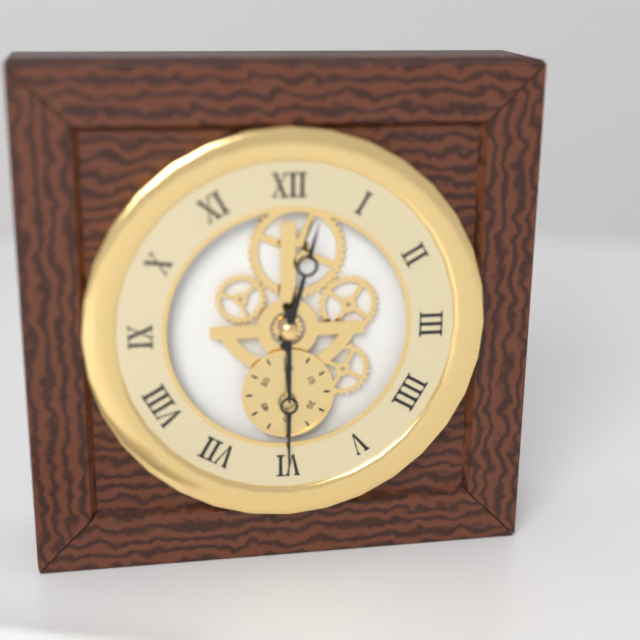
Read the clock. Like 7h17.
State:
12h30
